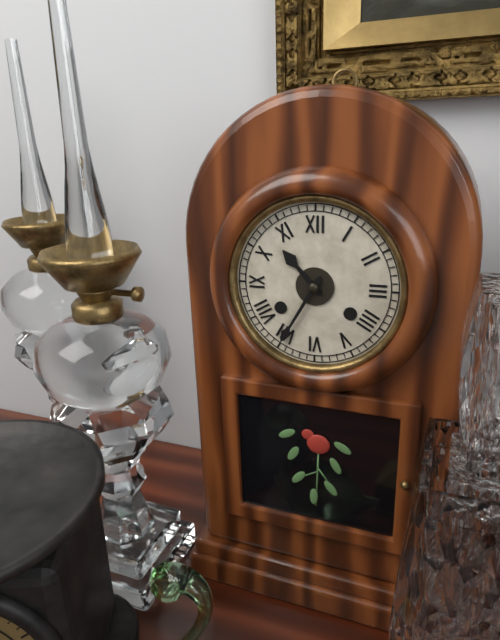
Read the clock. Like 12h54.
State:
10h35
